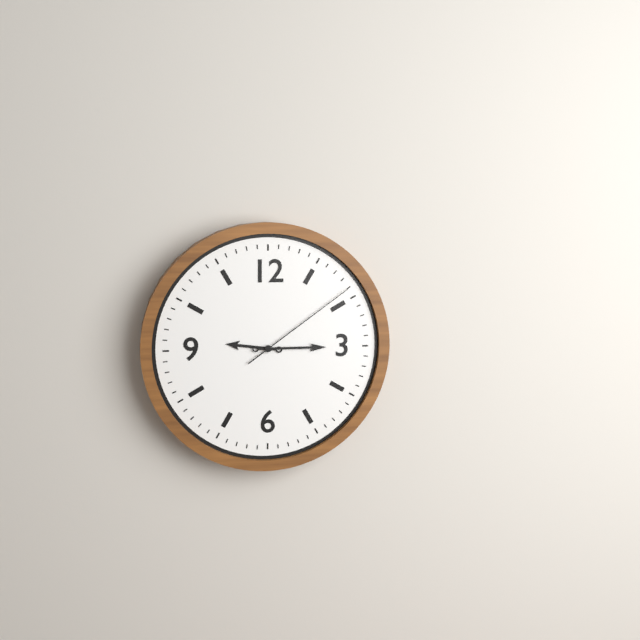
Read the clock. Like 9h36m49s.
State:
9h15m09s
